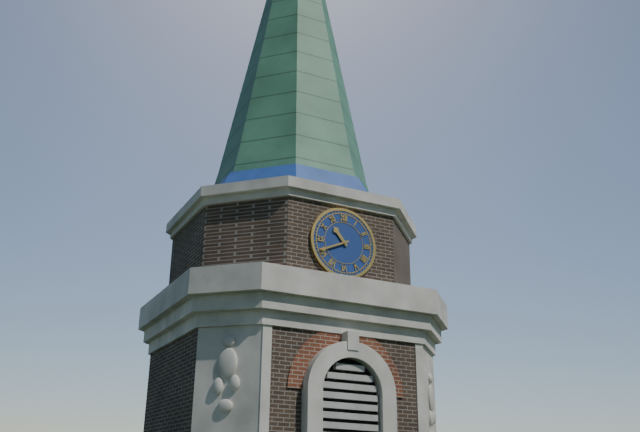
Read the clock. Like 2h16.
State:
10h41
